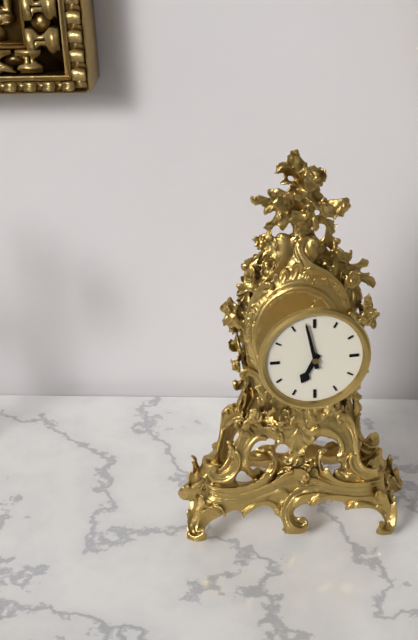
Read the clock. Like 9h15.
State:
6h58
